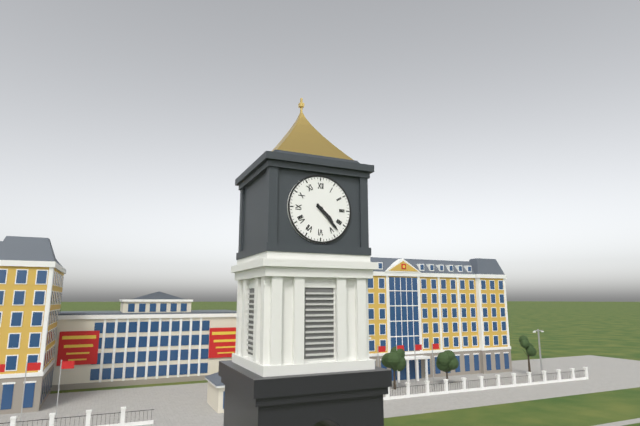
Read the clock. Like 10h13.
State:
4h23
